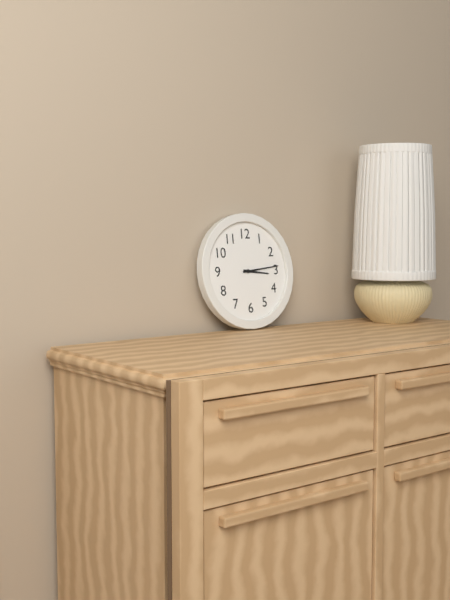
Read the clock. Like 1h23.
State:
3h14
